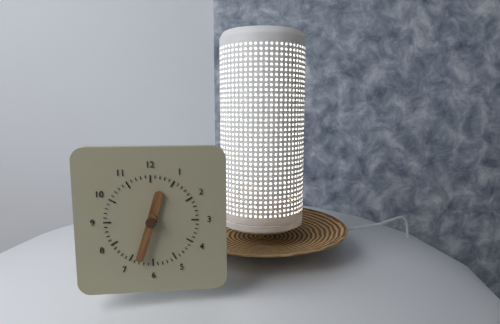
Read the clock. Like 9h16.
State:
12h33
